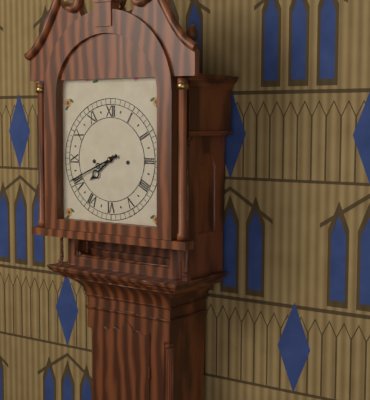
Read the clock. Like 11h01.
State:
7h41
